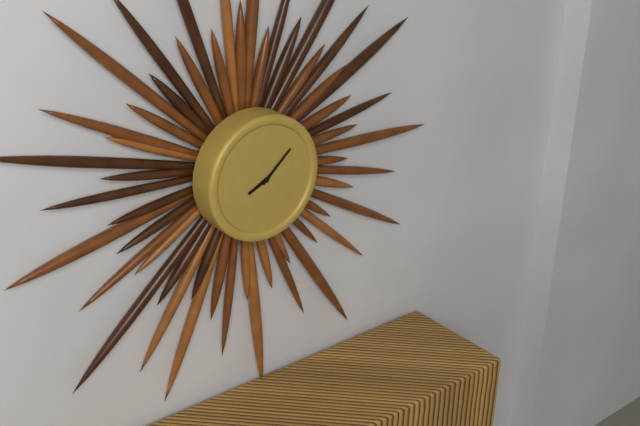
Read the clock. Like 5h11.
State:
8h08
